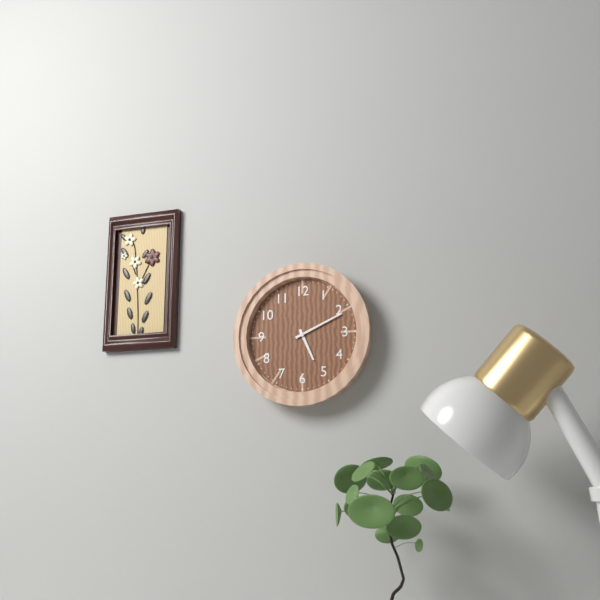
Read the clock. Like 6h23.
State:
5h11
